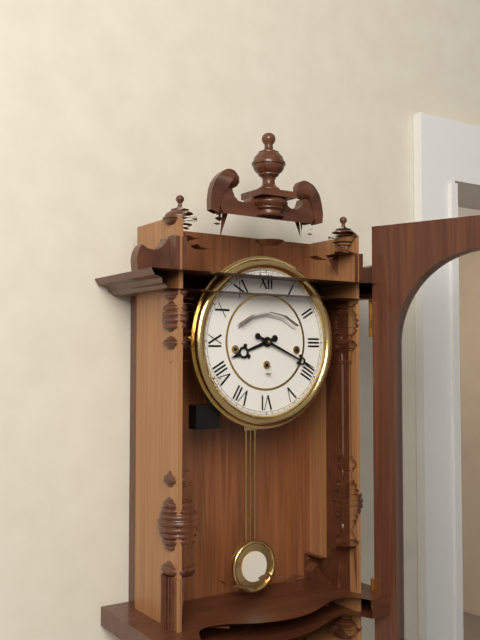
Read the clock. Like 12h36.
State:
8h19
